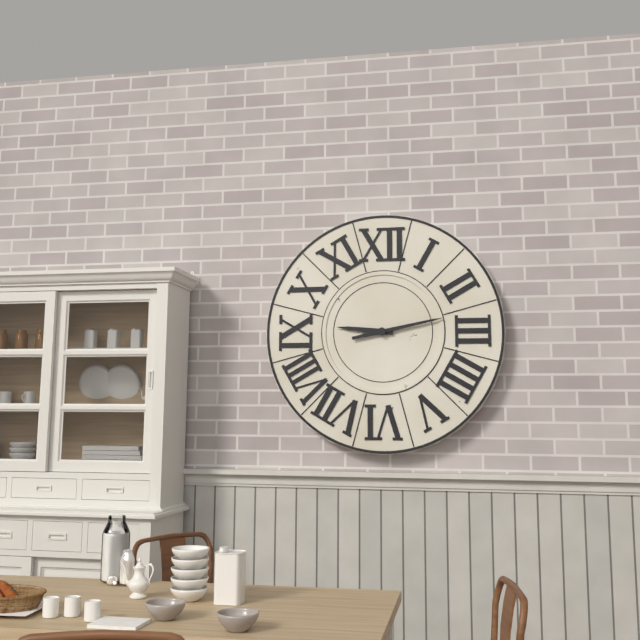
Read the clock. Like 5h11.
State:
9h13
